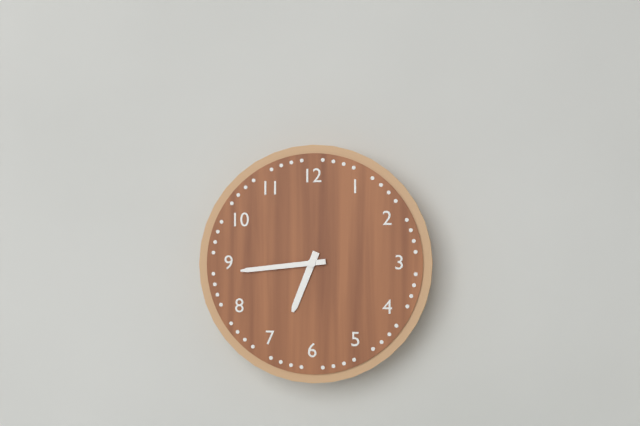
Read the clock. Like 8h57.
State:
6h44
